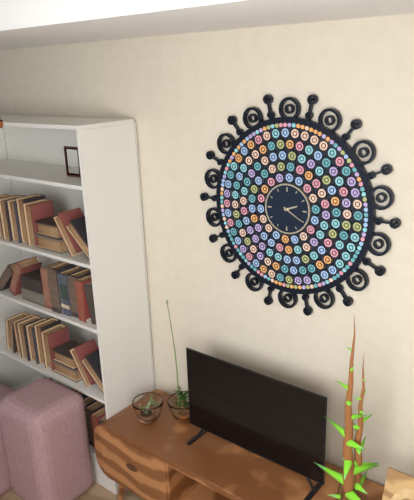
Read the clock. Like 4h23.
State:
2h20
